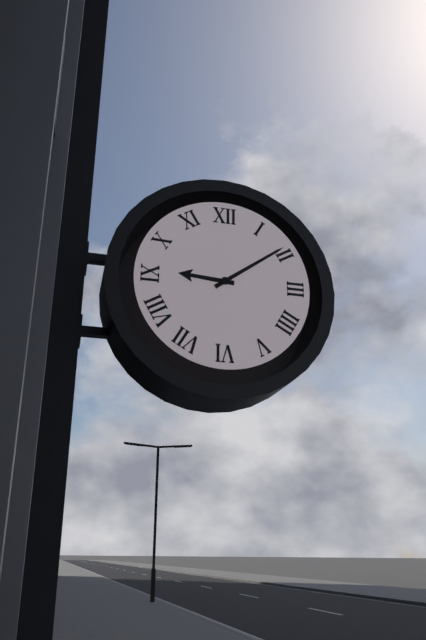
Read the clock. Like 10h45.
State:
9h09
